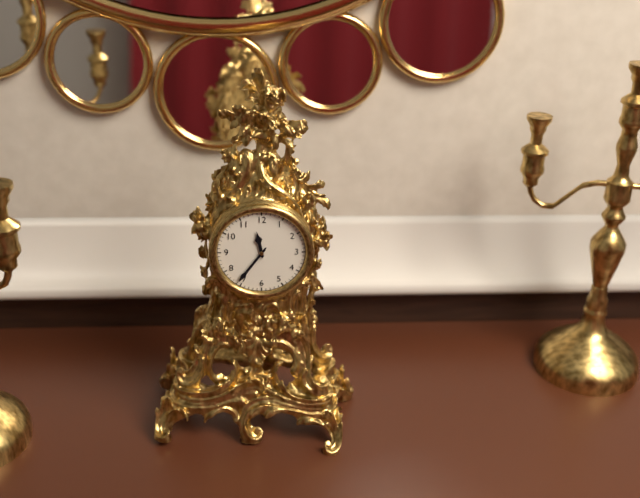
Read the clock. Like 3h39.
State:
11h36
